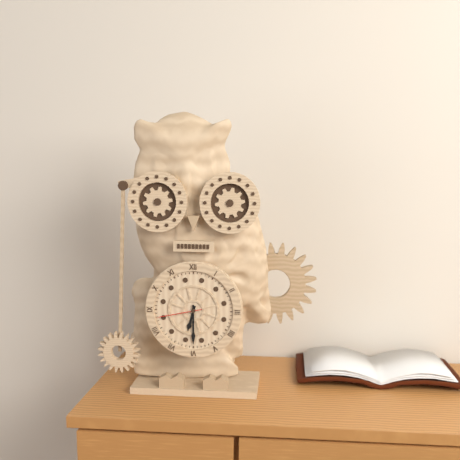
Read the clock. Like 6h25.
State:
6h30
